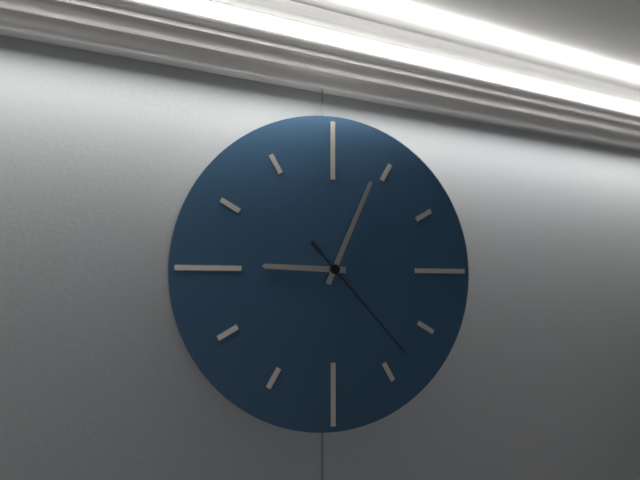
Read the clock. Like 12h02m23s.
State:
9h04m23s
